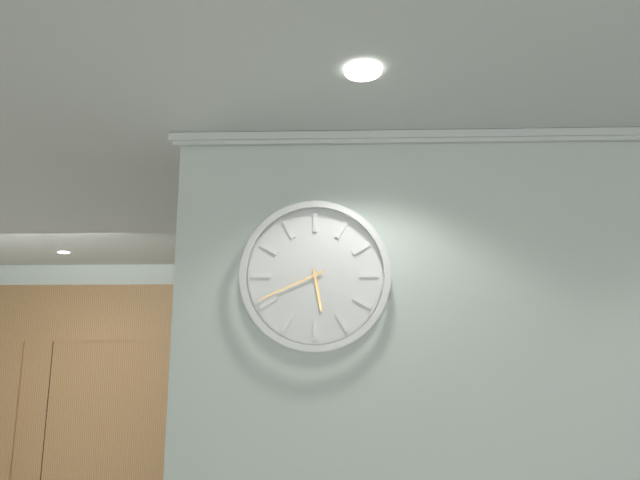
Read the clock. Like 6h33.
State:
5h41
